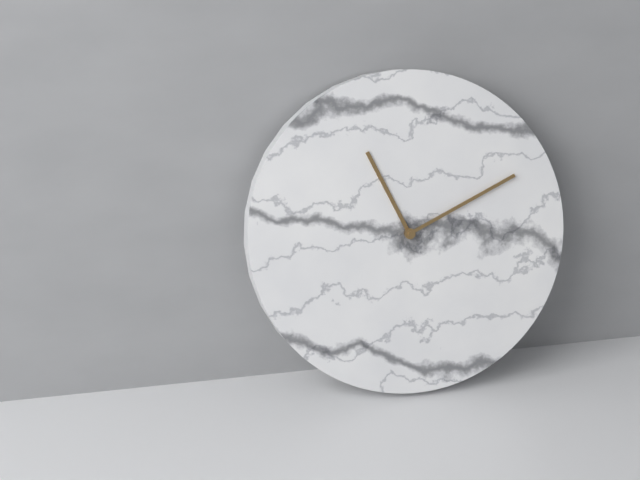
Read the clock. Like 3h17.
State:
11h11
